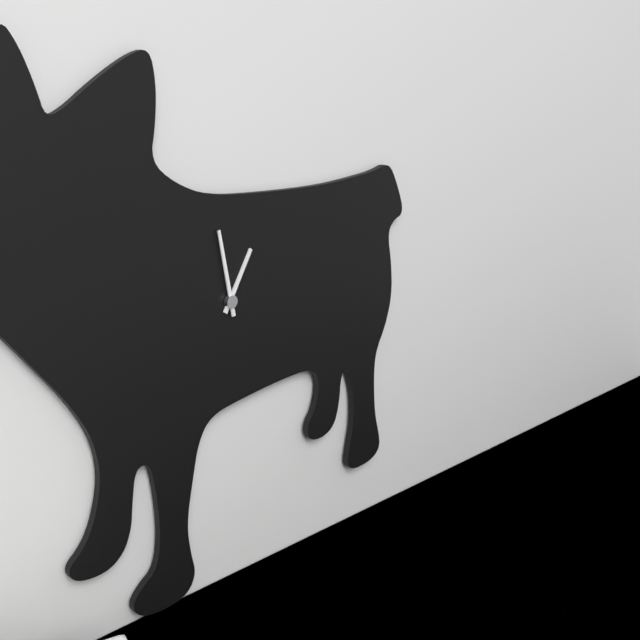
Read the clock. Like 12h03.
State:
12h58
